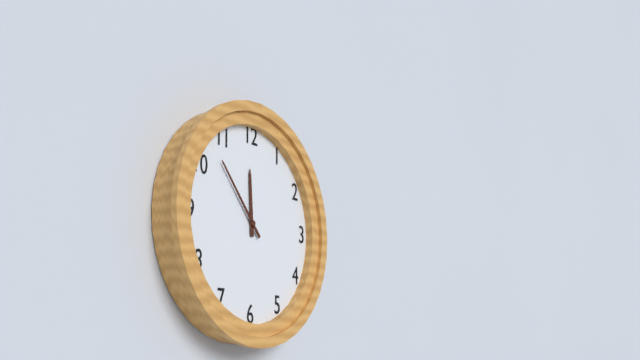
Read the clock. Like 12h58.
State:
11h53
